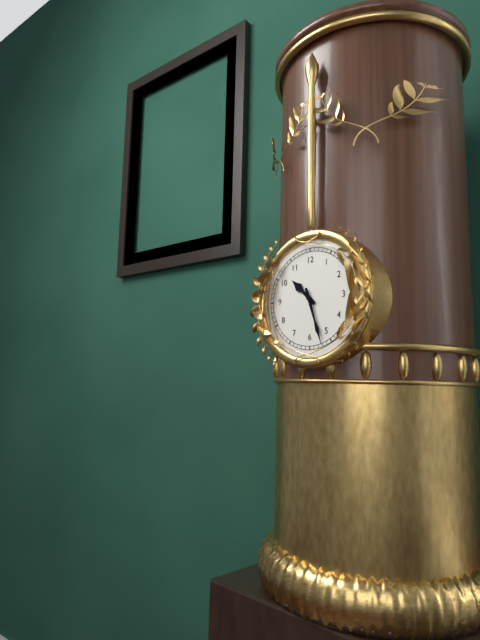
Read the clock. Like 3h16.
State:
10h27
